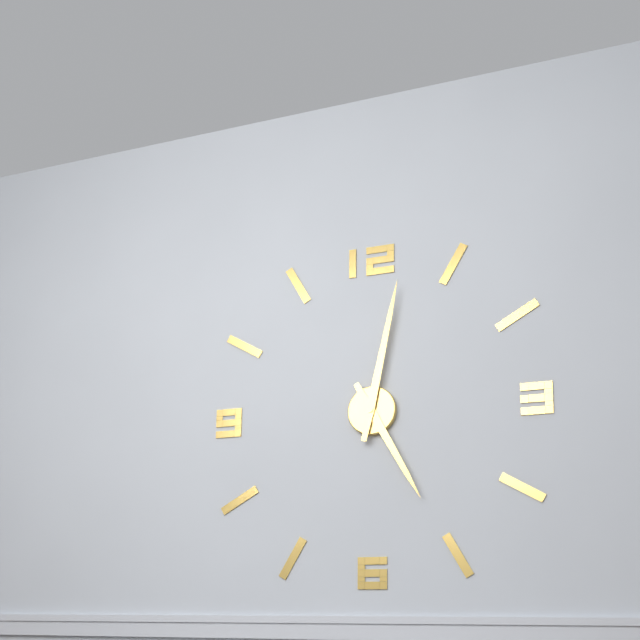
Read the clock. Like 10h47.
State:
5h02
